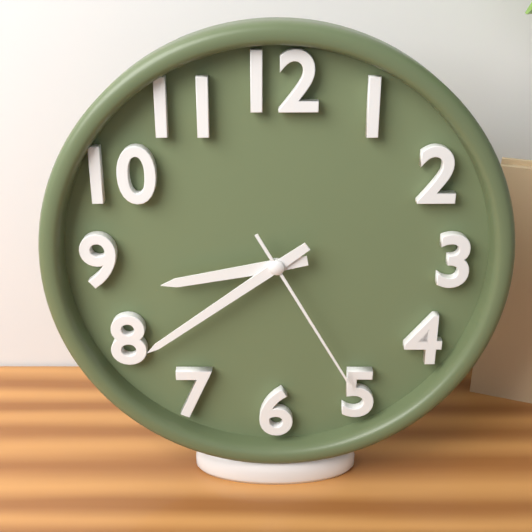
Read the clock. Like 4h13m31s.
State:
8h39m25s
